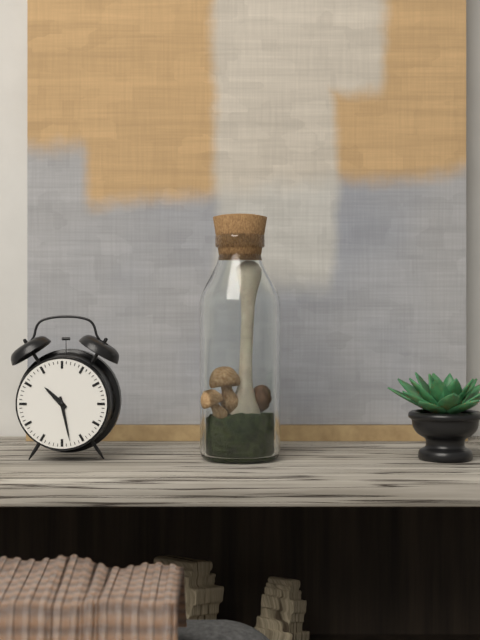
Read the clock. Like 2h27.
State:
10h28
